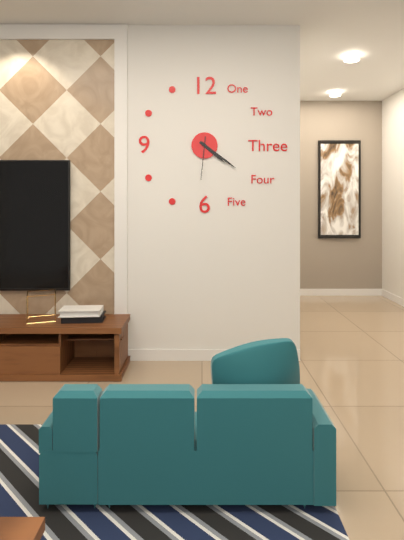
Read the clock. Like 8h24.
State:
4h21
